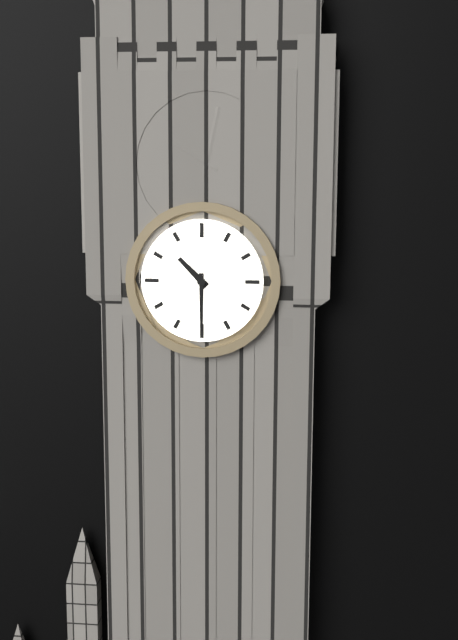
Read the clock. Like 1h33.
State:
10h30
